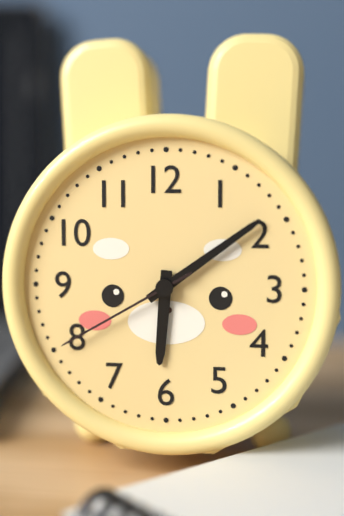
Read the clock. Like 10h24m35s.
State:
6h09m40s
